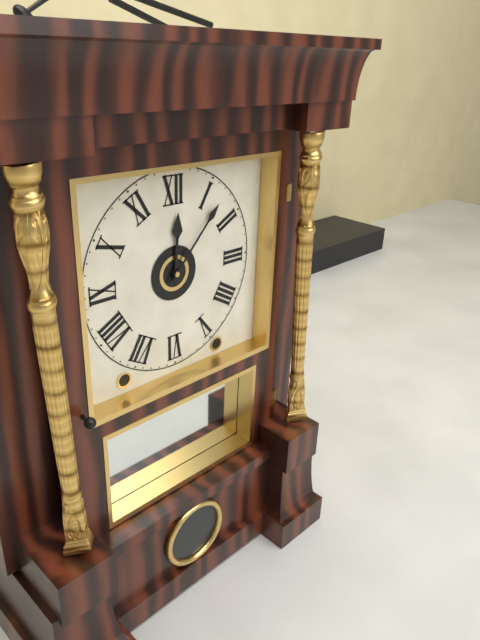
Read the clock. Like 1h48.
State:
12h07
